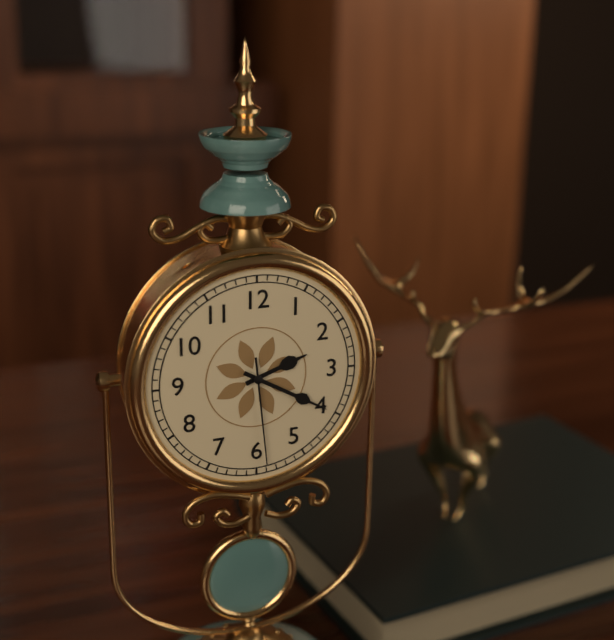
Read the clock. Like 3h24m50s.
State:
2h20m29s
